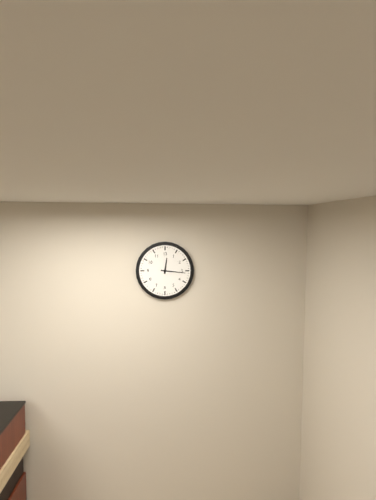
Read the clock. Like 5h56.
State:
12h16
